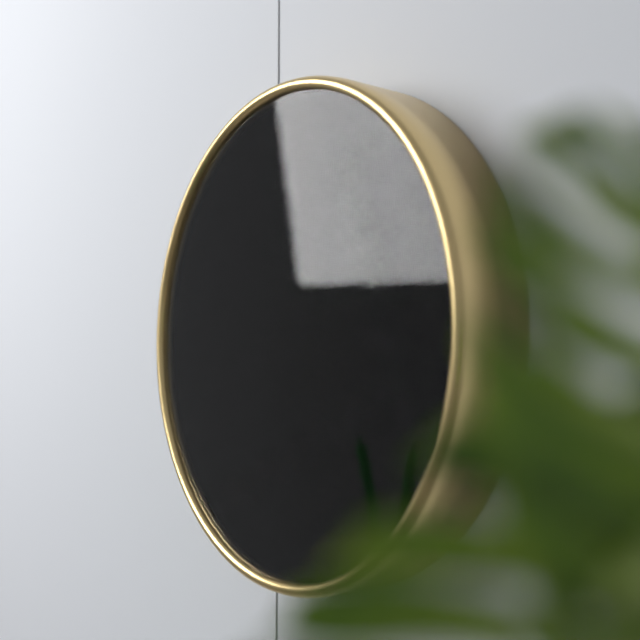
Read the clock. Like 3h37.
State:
12h50
